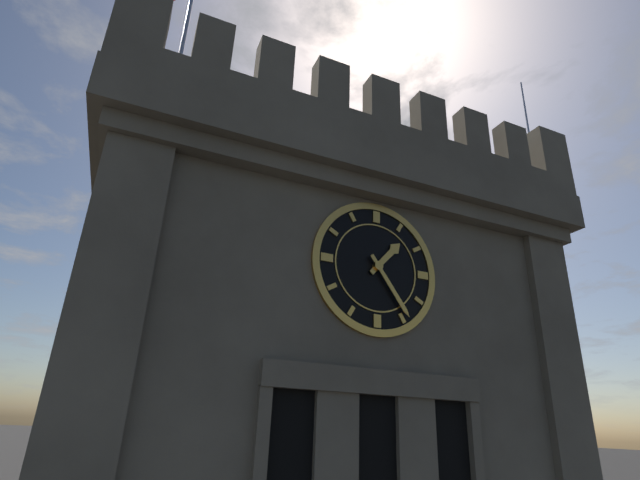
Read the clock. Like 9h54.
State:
1h24
